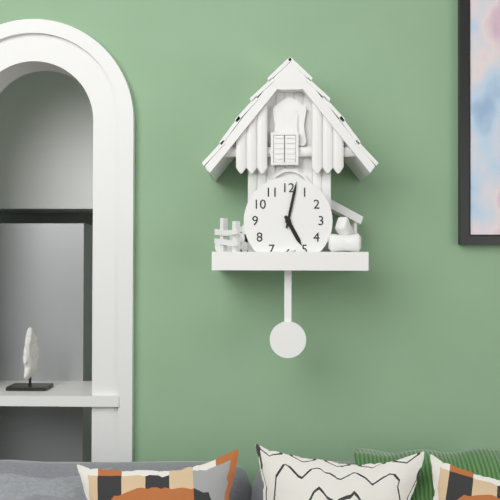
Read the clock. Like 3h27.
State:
5h02
